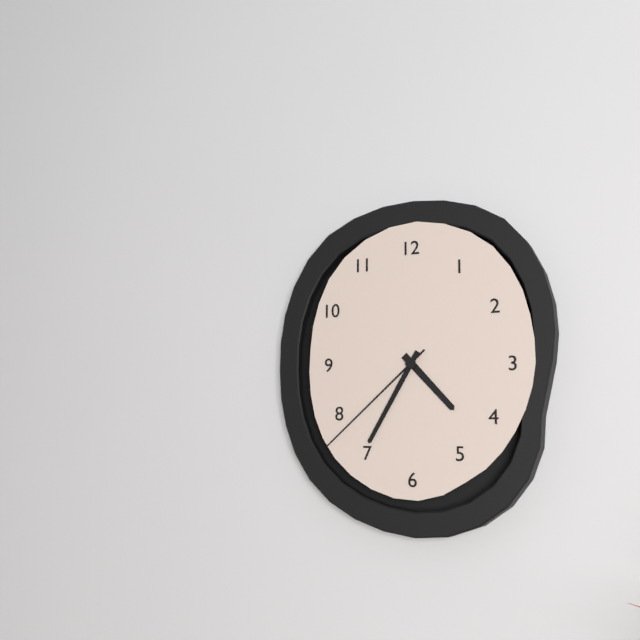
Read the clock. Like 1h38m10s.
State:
4h35m38s
